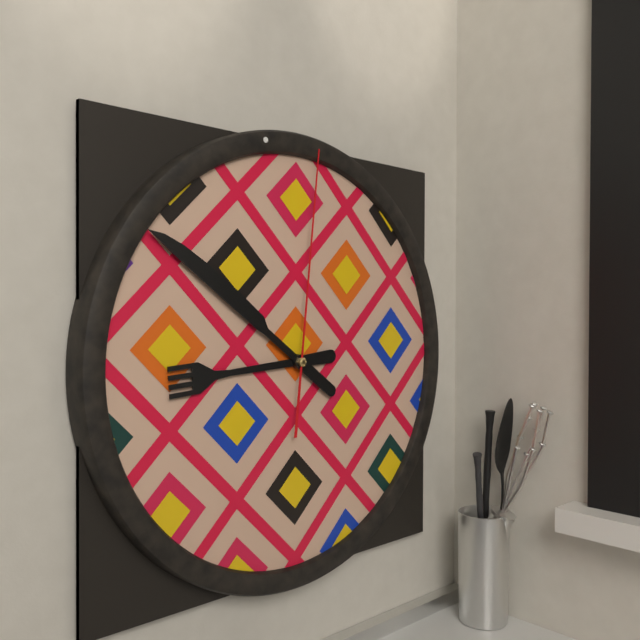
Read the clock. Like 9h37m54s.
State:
8h51m01s
